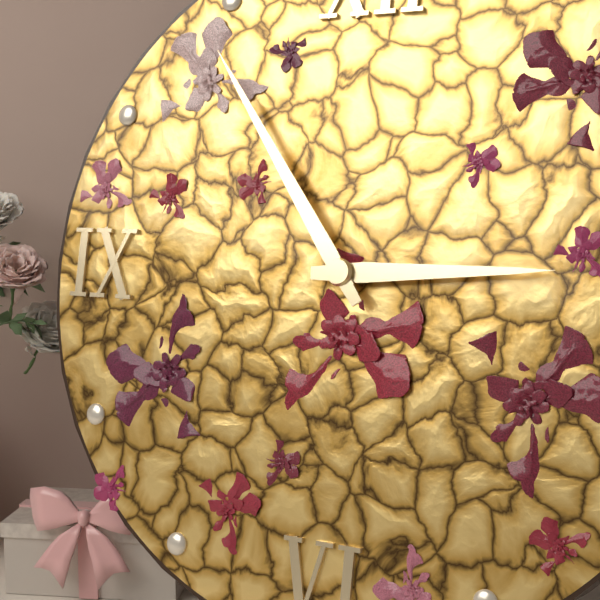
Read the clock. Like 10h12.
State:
2h54
